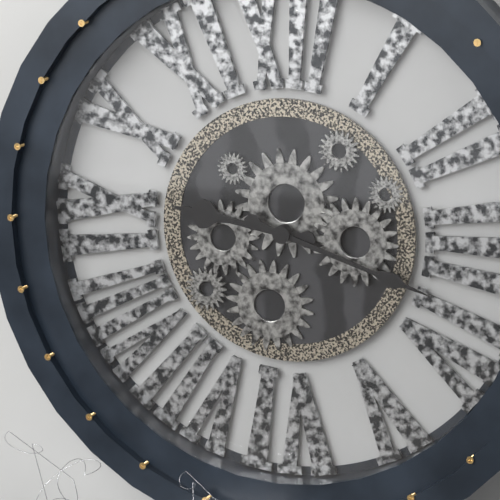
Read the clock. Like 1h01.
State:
9h18
